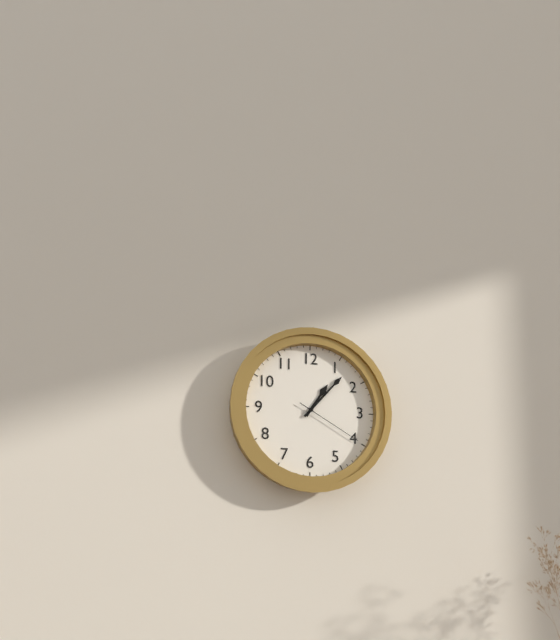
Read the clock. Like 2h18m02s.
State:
1h07m20s
